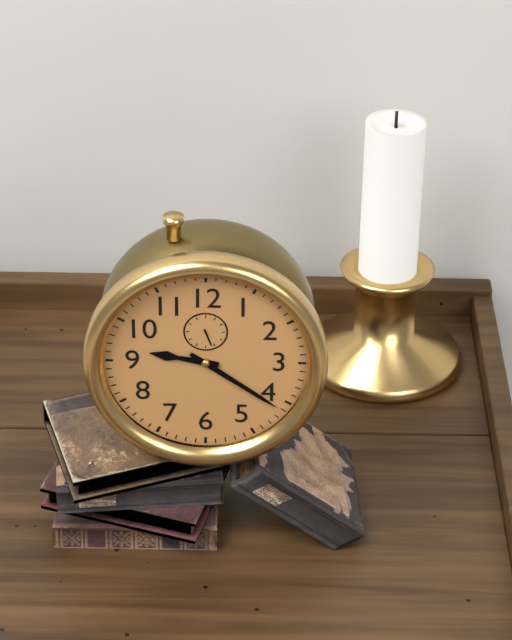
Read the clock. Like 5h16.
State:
9h21
